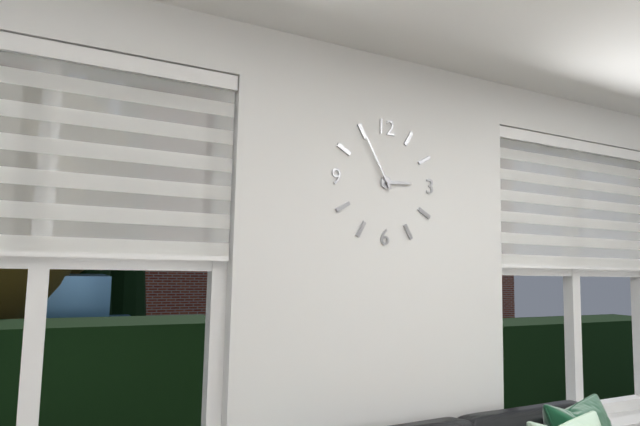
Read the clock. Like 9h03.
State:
2h55
